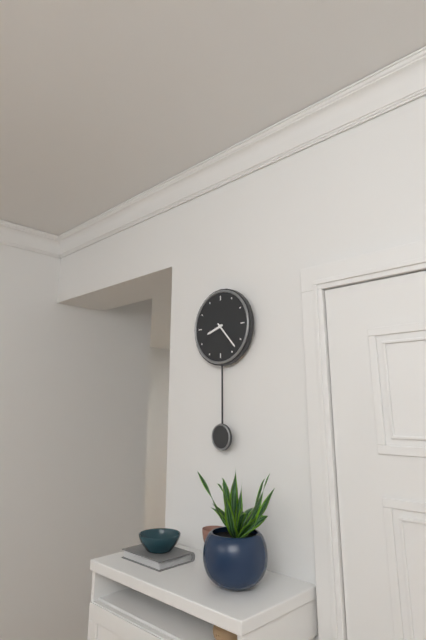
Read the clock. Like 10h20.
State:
8h23
